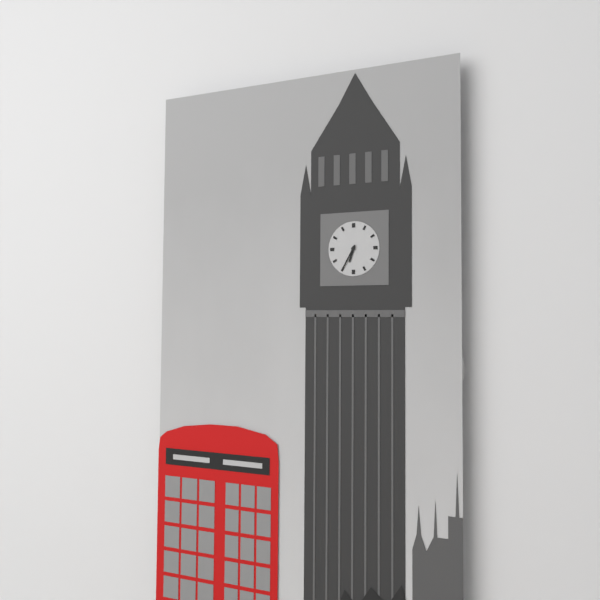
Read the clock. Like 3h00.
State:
6h35
